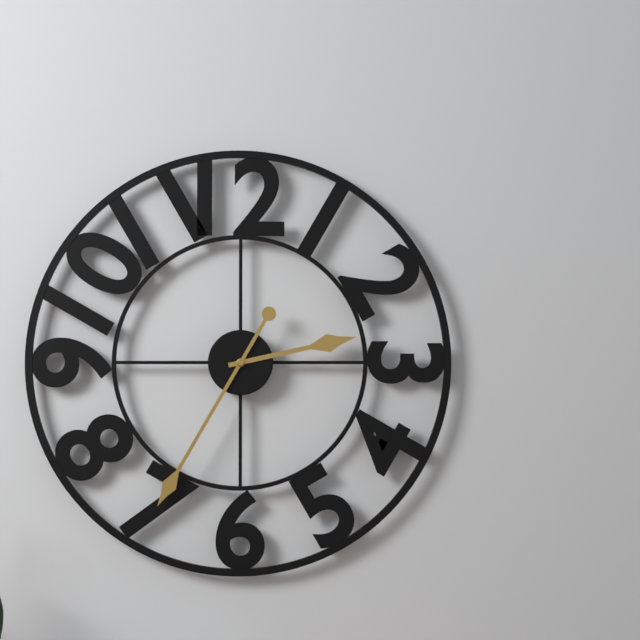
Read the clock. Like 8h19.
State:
2h35
